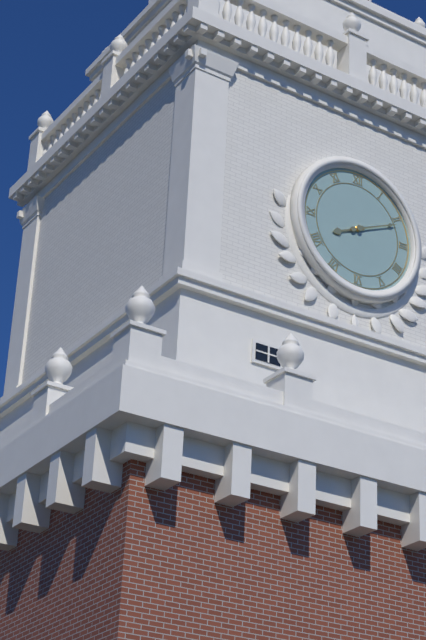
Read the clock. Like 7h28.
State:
8h11
